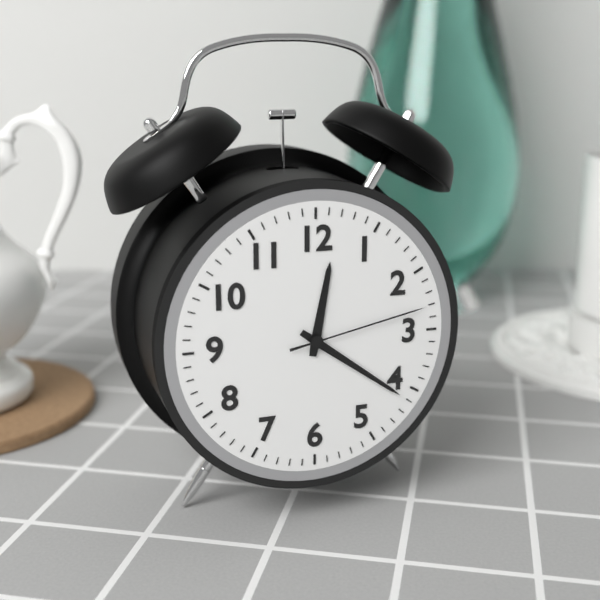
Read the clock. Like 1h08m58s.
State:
12h21m13s
